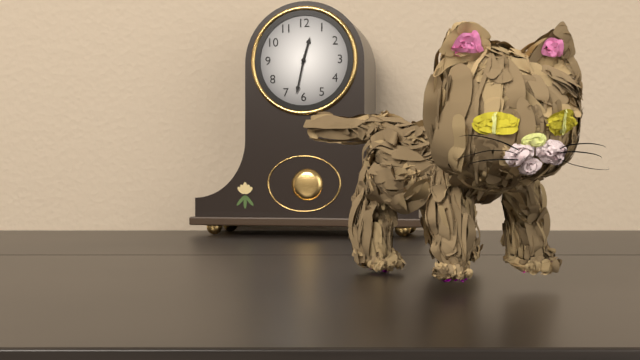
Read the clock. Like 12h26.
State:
12h32
